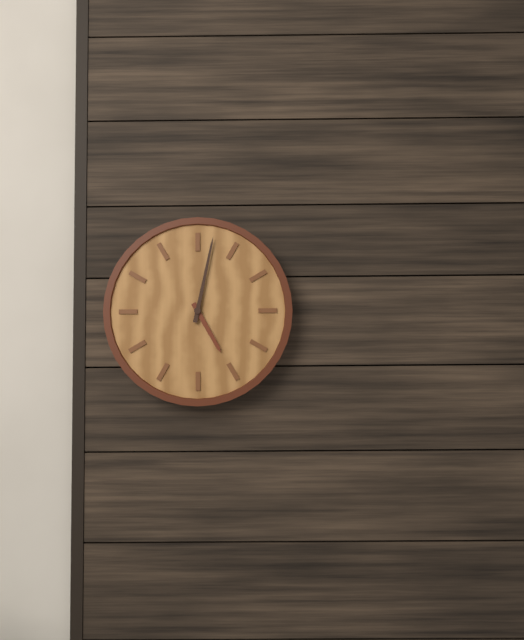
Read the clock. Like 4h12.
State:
5h02
